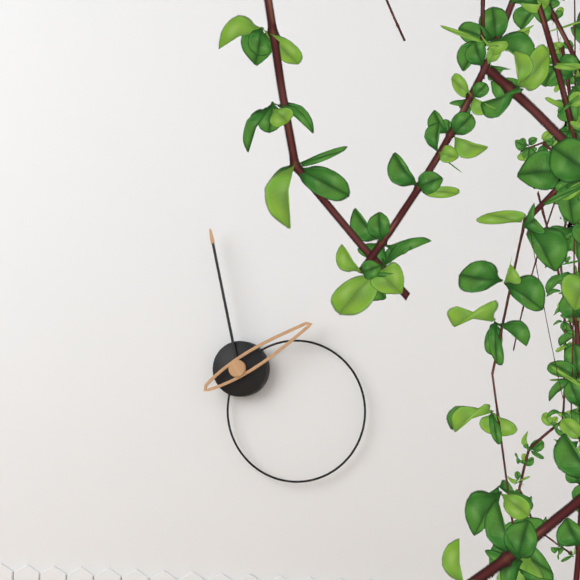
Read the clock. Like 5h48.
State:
1h58
